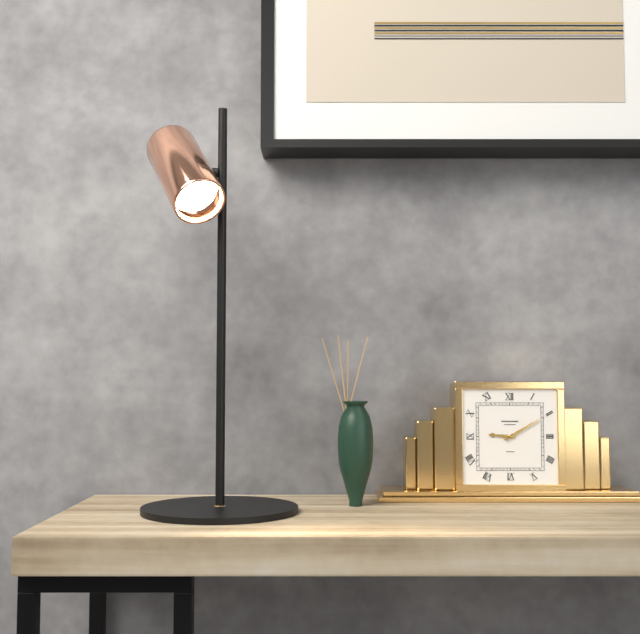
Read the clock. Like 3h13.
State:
9h10
